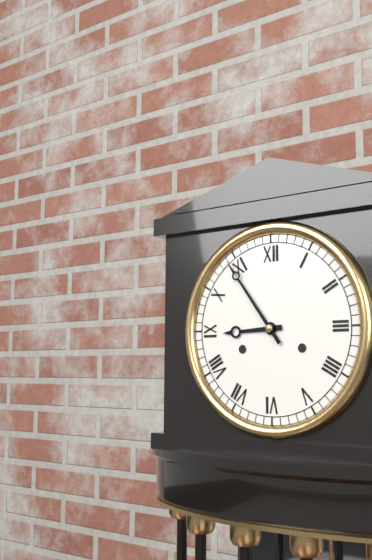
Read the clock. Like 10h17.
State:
8h54
